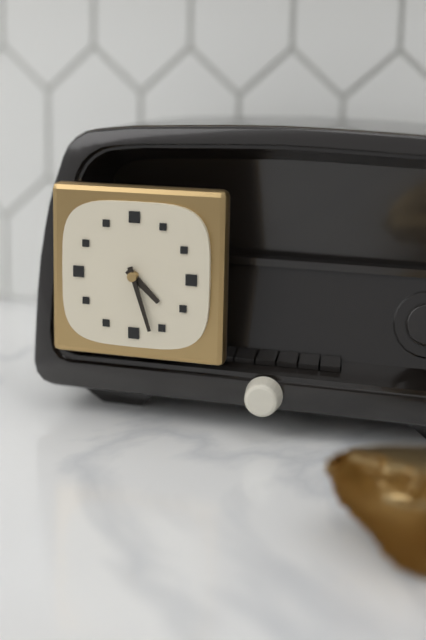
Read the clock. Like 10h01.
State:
4h27
